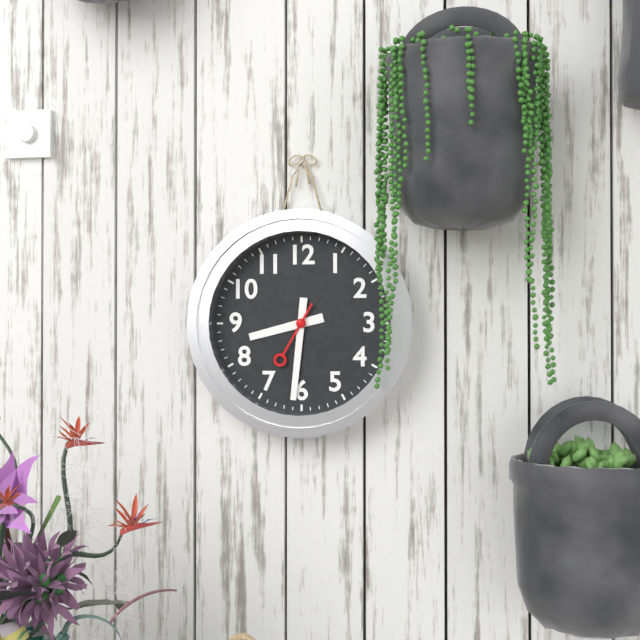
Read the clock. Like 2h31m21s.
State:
8h31m35s
